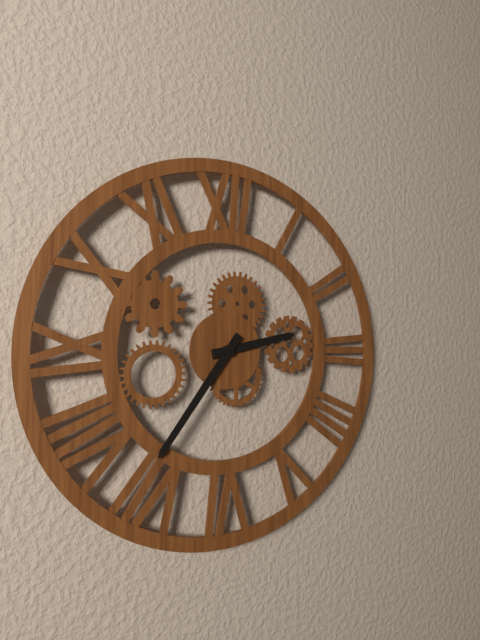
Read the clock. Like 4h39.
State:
2h36
